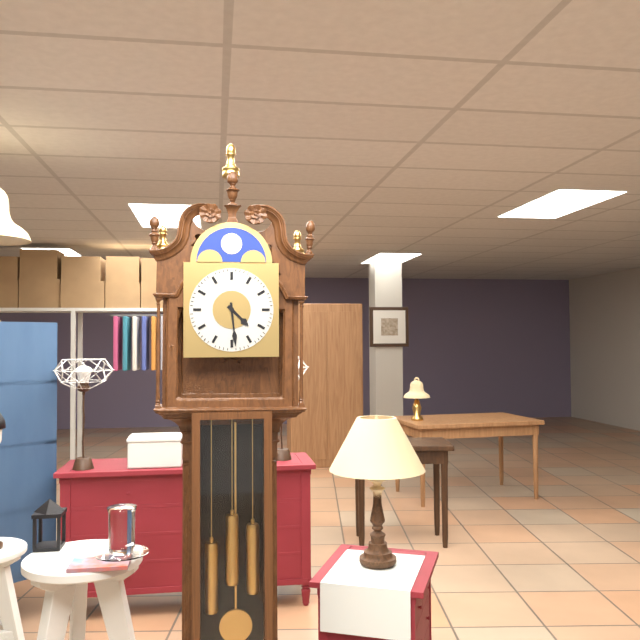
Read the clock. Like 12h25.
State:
4h29
